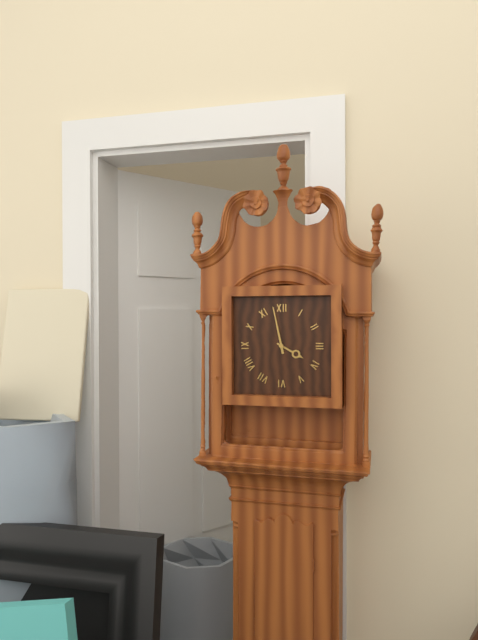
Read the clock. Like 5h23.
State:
3h58
